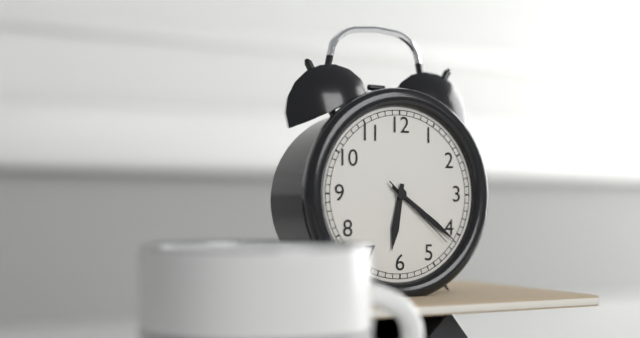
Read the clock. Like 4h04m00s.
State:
6h21m22s
